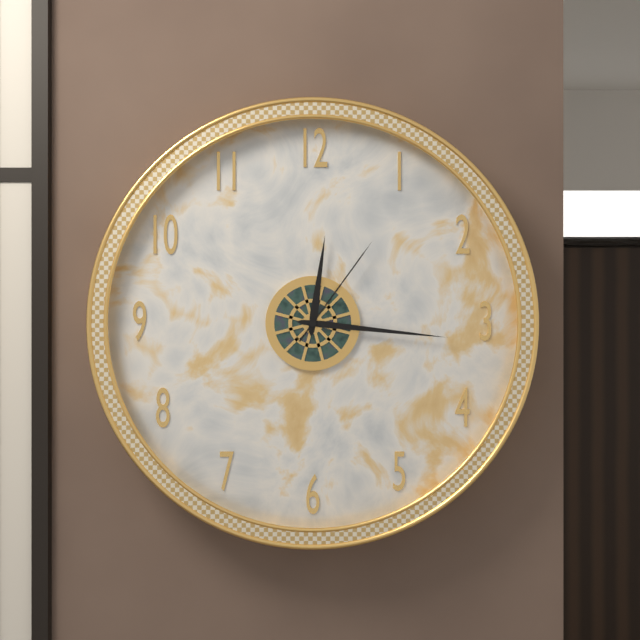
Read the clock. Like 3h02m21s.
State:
12h16m06s
